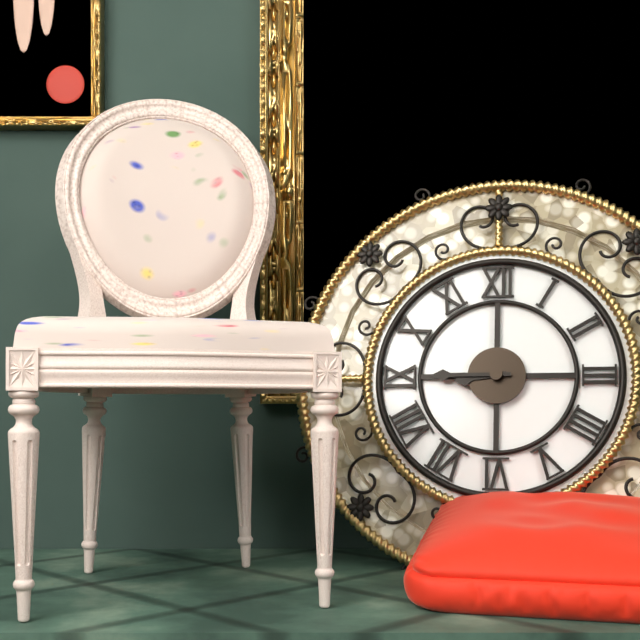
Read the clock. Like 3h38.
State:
8h45
